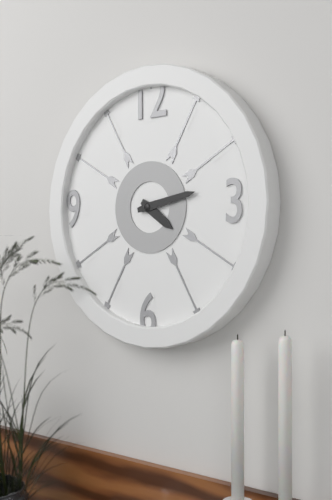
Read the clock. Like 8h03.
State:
4h13
